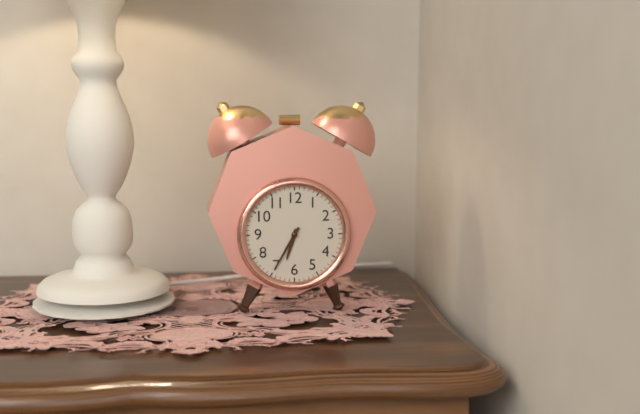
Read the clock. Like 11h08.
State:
6h35
